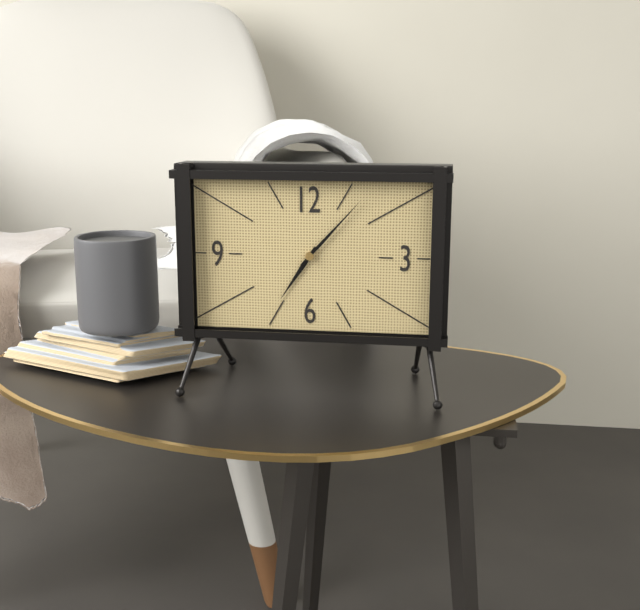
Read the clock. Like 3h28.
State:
7h07
